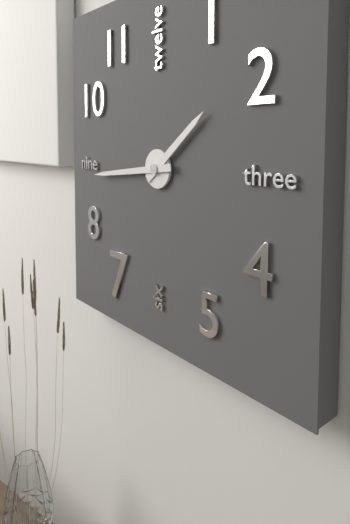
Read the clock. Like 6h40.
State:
1h44
